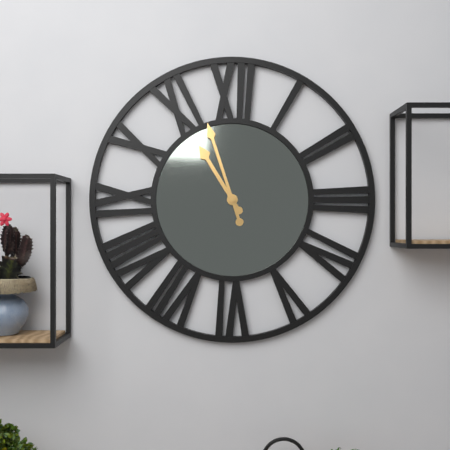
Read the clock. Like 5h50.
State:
10h57
